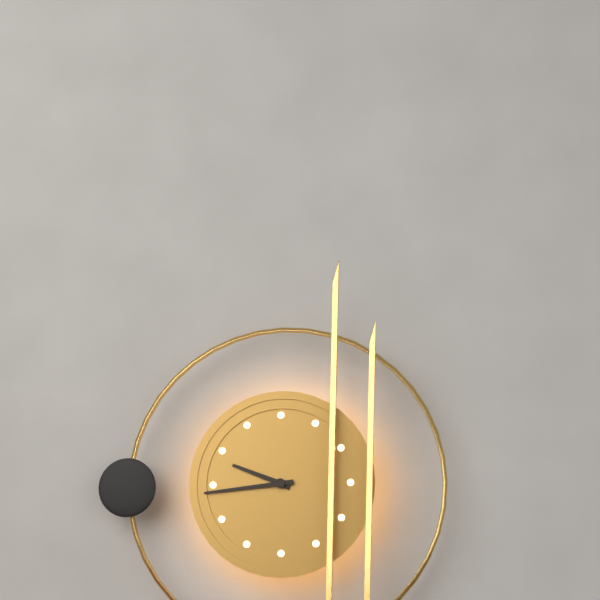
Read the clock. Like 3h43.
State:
9h44
